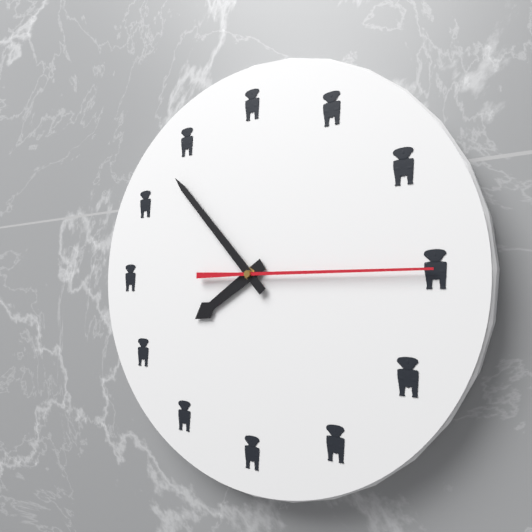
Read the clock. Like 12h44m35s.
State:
7h53m15s
